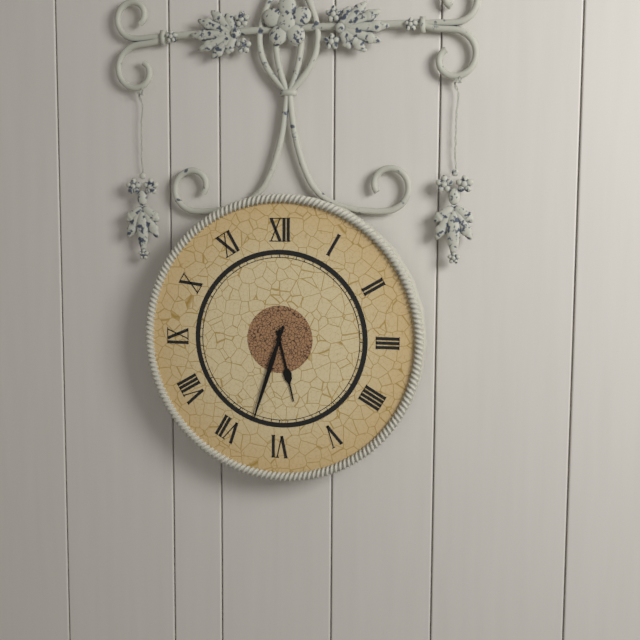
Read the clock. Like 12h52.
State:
5h33
